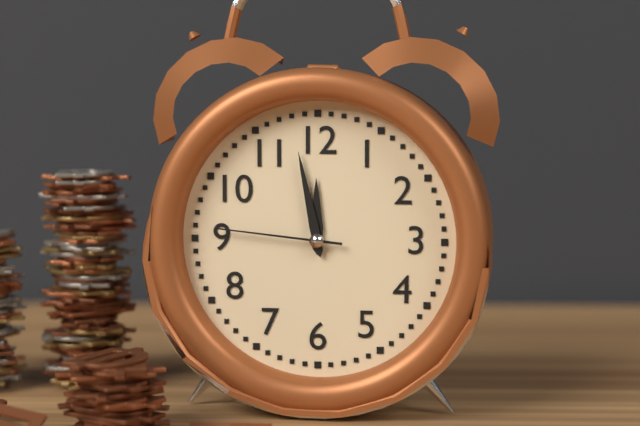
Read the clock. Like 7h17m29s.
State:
11h58m46s
